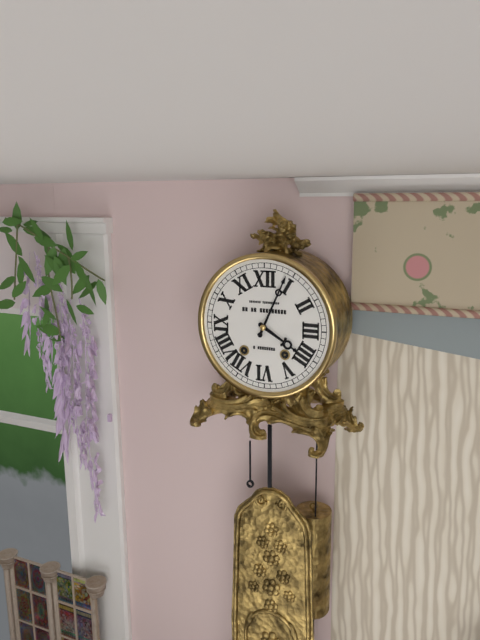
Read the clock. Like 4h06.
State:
4h04
